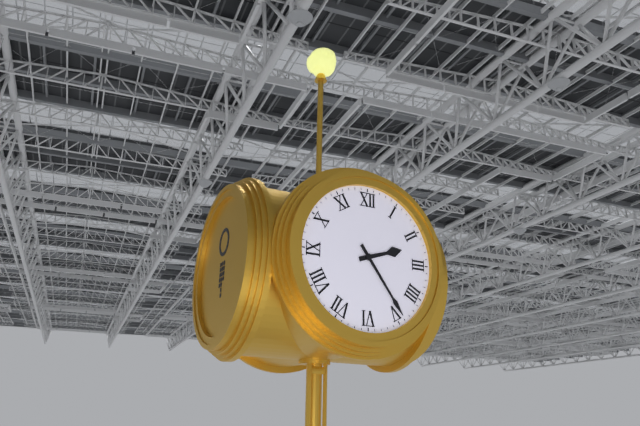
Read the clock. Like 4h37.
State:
2h24
